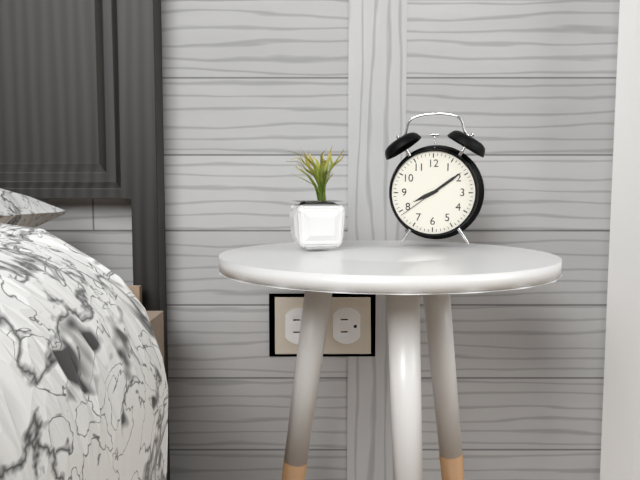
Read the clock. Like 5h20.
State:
8h09
